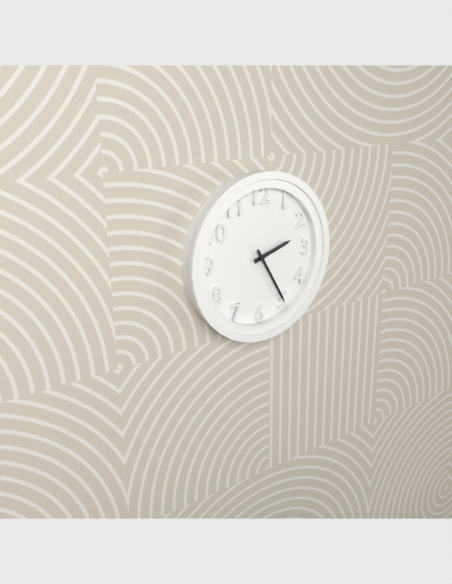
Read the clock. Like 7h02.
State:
2h25
